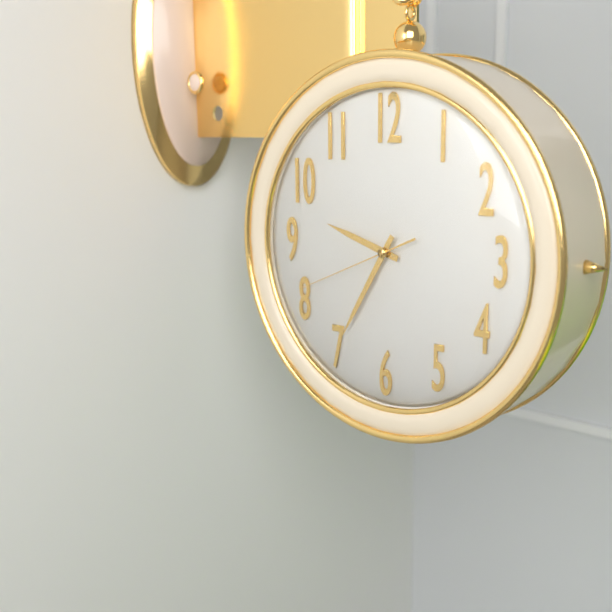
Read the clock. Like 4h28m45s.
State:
9h35m41s
